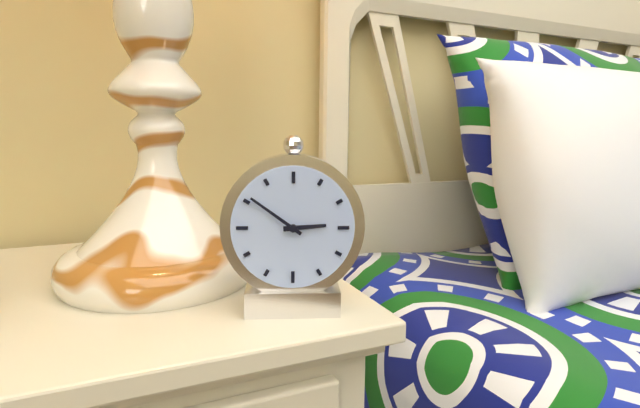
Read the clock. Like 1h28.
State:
2h51
